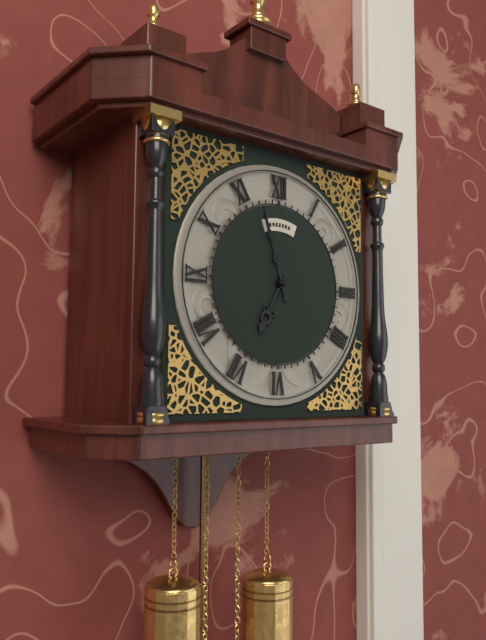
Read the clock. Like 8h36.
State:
6h57
